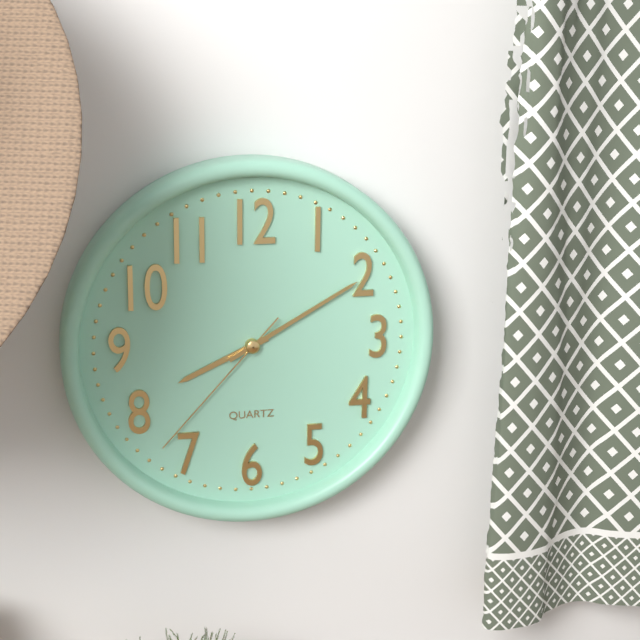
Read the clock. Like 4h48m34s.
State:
8h10m37s
